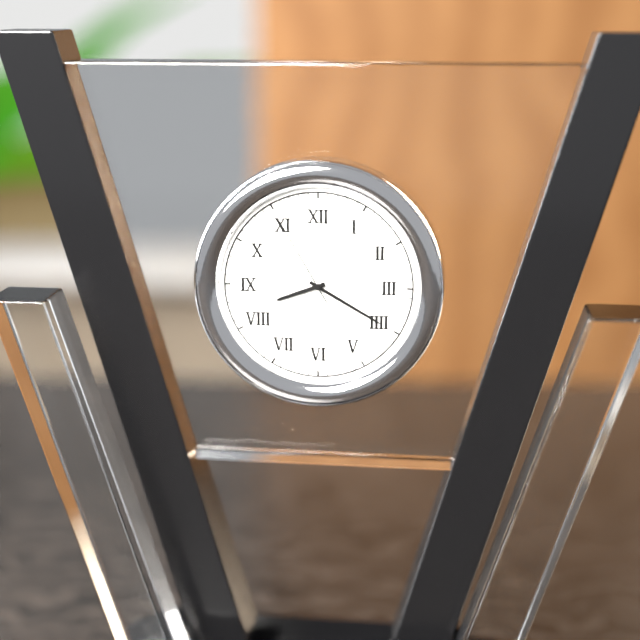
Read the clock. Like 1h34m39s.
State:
8h20m55s
